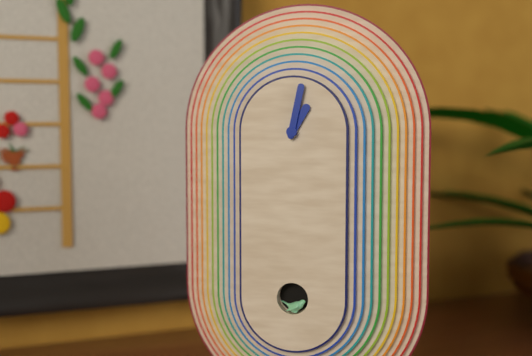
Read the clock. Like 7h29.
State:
1h02
